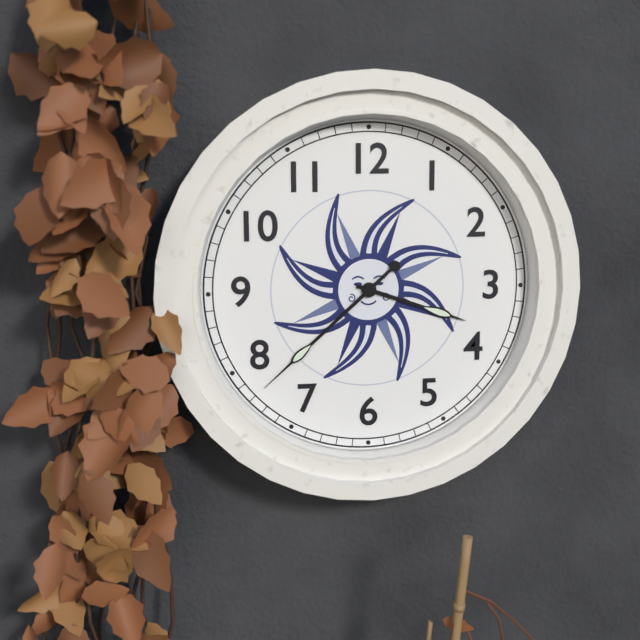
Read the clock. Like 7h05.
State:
3h38
